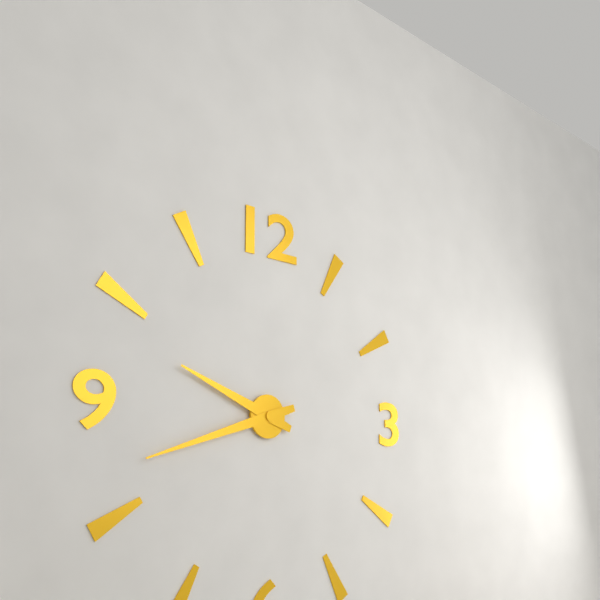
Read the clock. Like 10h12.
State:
9h42
